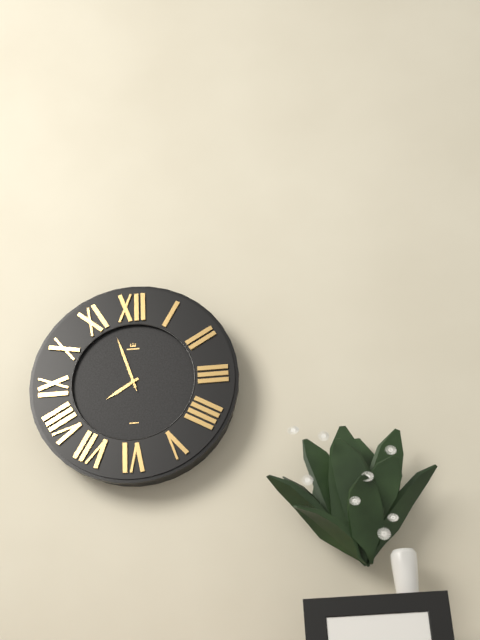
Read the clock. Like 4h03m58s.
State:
7h57m57s
